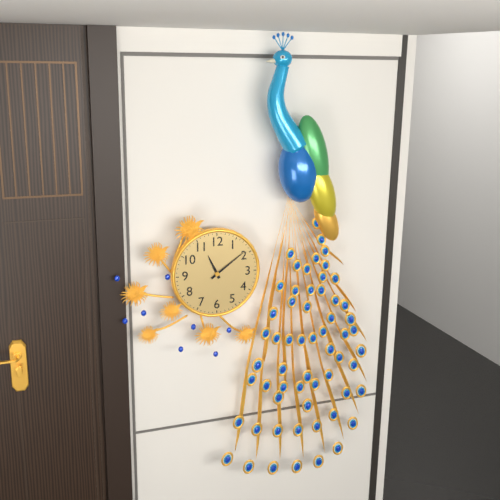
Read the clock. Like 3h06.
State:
11h09
